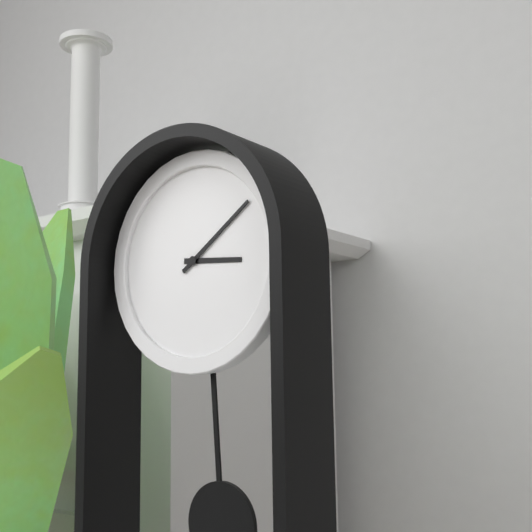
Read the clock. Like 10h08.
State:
3h09
